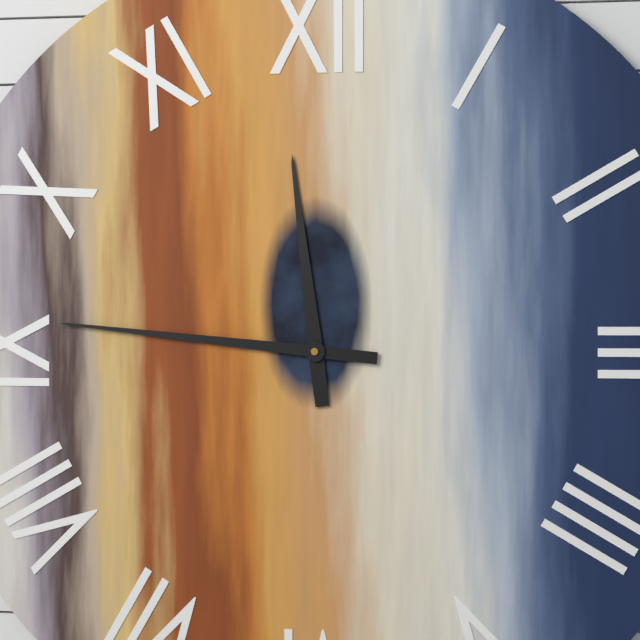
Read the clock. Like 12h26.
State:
11h46
